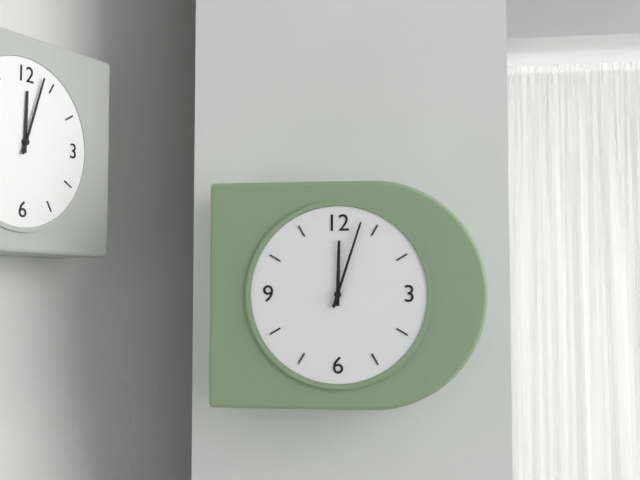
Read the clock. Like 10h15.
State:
12h03
